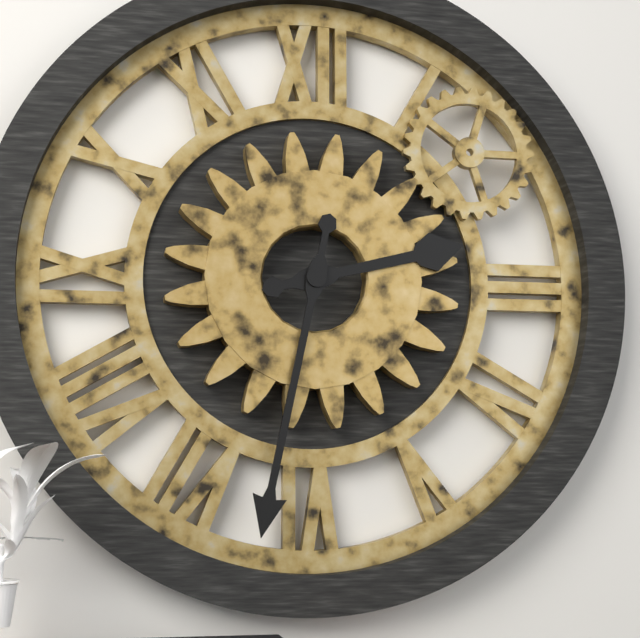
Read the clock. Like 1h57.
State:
2h32
